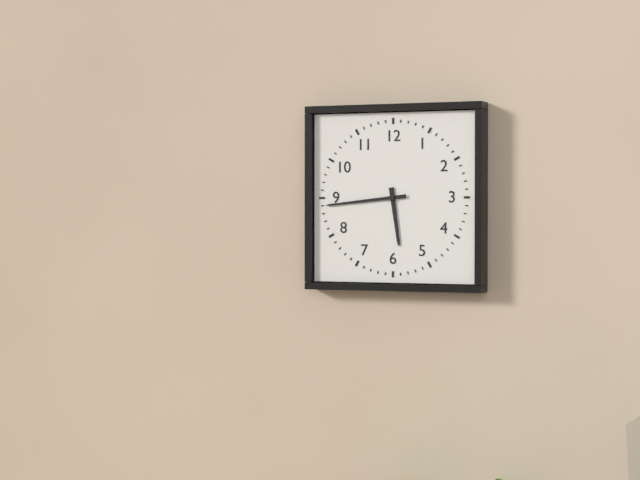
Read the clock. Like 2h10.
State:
5h44
